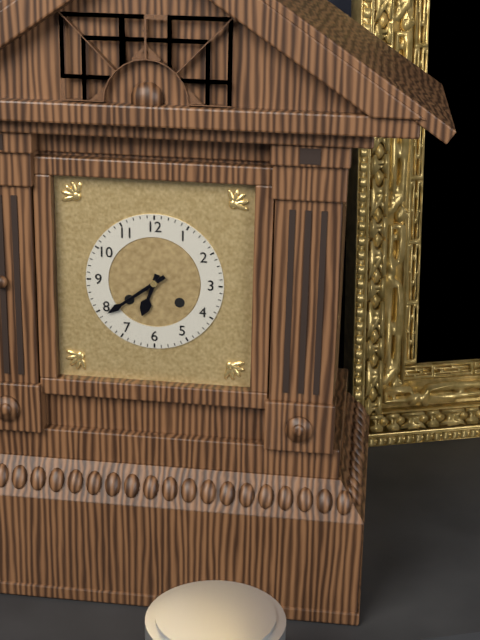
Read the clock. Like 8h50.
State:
6h39
